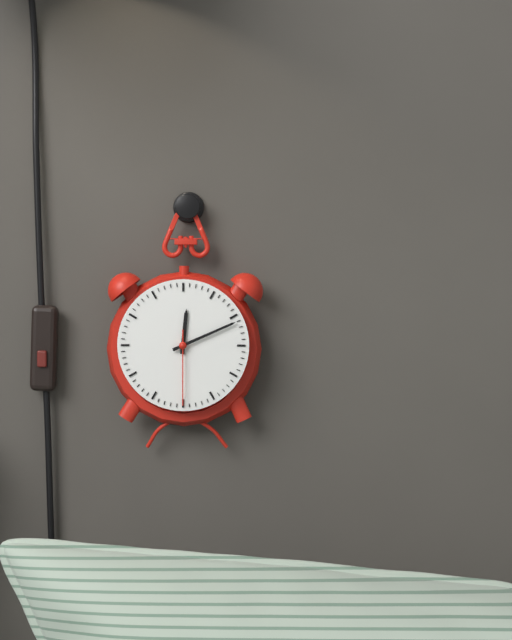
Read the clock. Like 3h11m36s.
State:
12h11m30s
